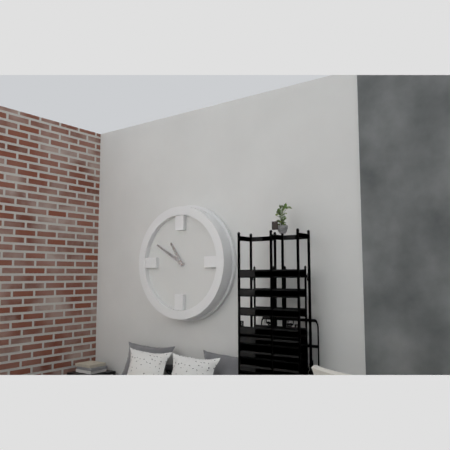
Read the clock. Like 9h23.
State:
10h50
